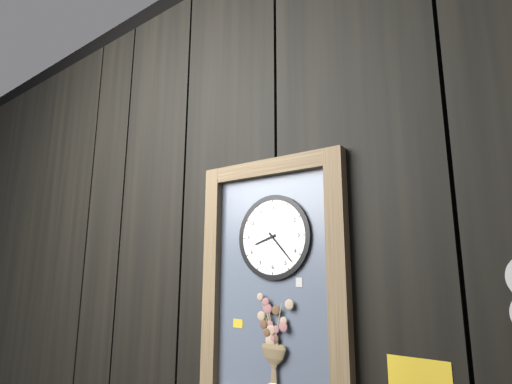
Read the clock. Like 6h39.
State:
8h23
